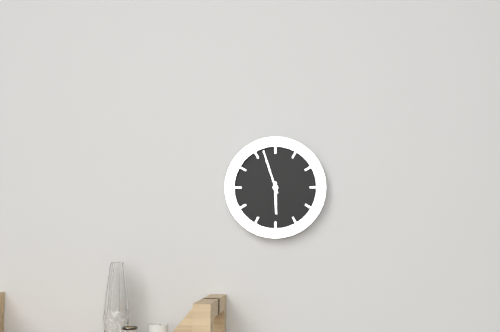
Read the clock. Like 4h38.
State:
5h57
